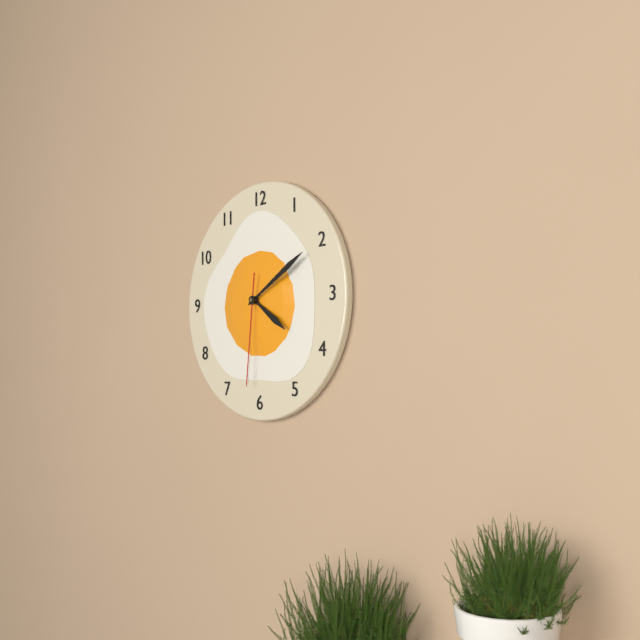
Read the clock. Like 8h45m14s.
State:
4h10m31s
